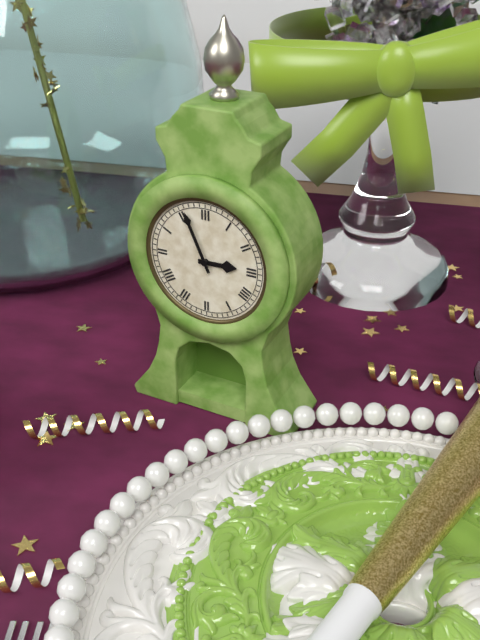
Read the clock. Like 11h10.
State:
2h56
